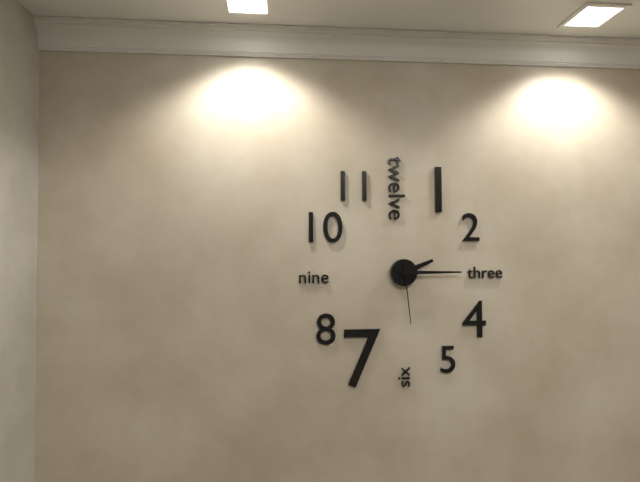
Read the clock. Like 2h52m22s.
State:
2h15m29s
